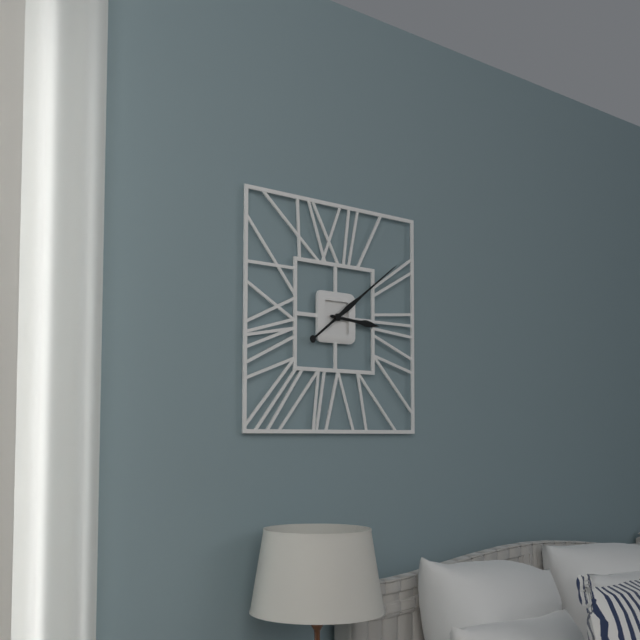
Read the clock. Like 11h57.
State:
3h09
